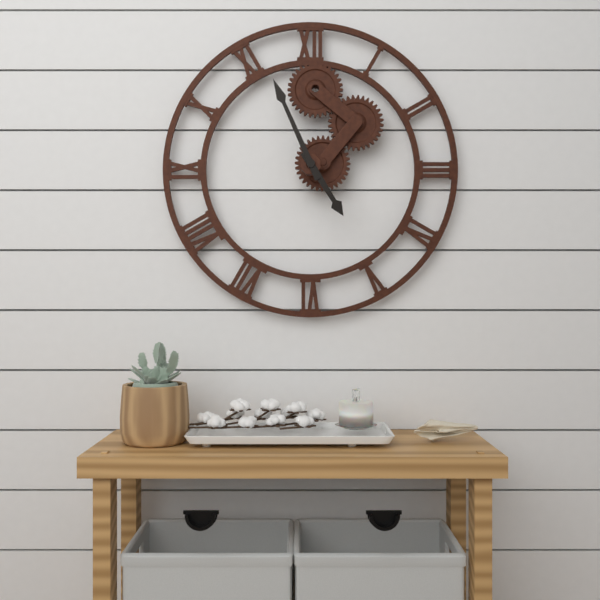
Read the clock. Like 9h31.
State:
4h56
